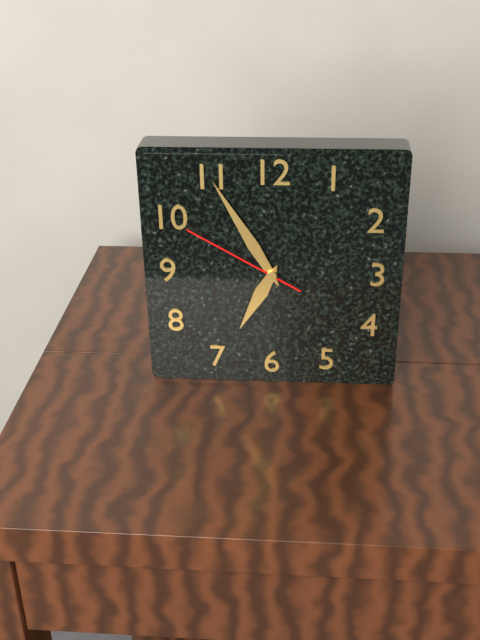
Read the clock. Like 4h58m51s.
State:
6h55m50s
